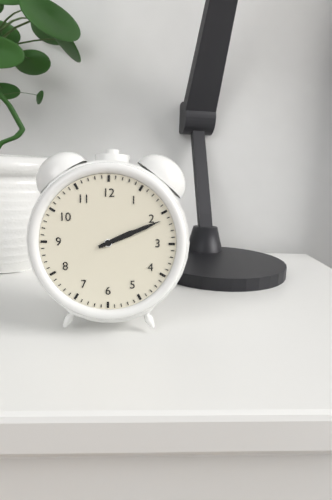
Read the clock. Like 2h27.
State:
2h11
